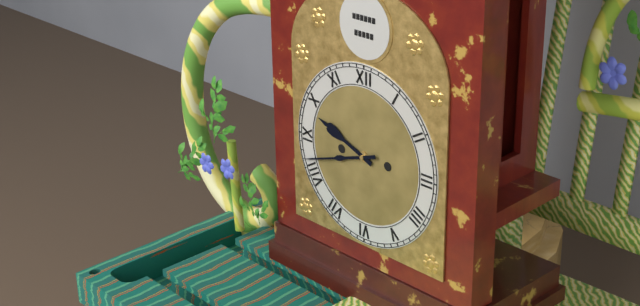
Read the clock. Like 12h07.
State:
9h42
